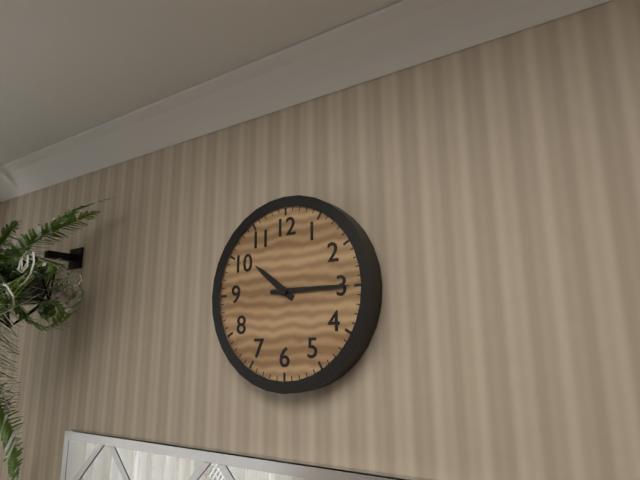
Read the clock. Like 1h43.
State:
10h15
